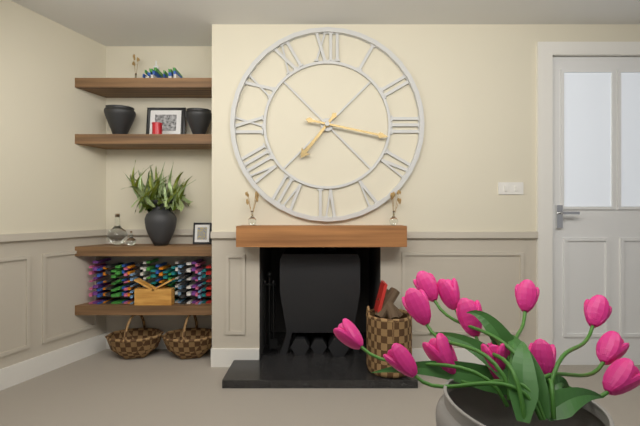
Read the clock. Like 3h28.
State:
7h17
